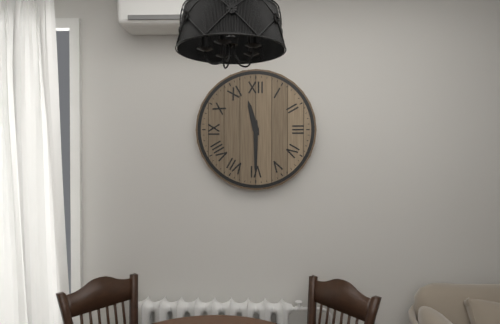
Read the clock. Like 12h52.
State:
11h30
